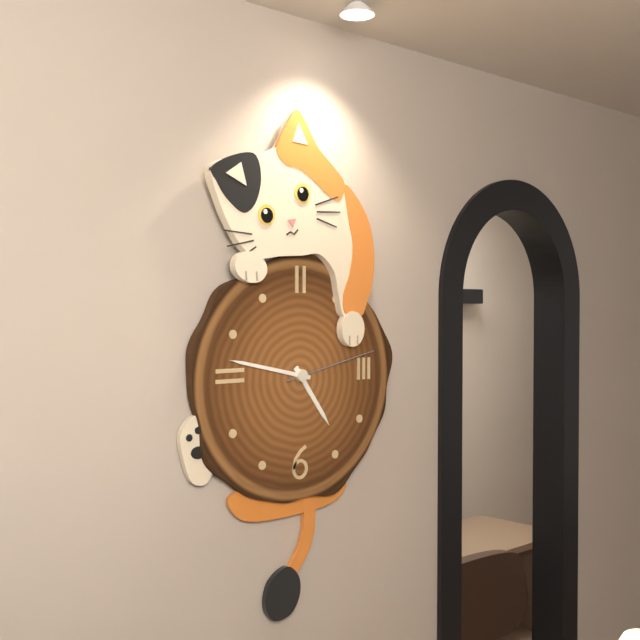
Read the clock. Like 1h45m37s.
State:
4h47m13s
